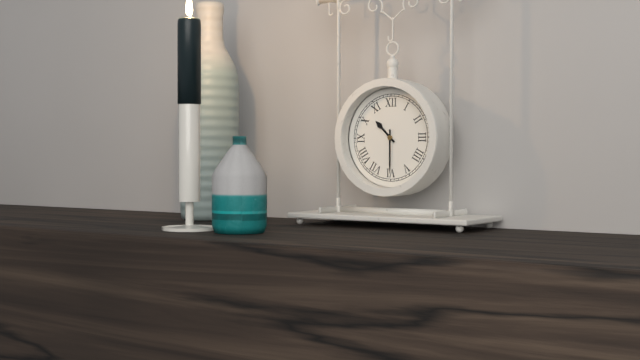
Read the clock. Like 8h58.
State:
10h30
